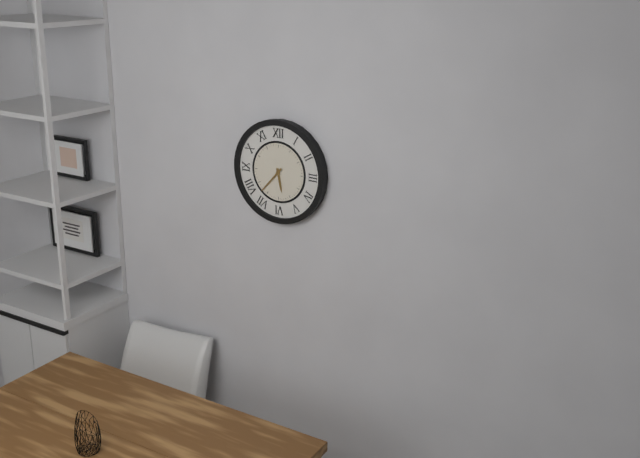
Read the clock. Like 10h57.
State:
5h37
